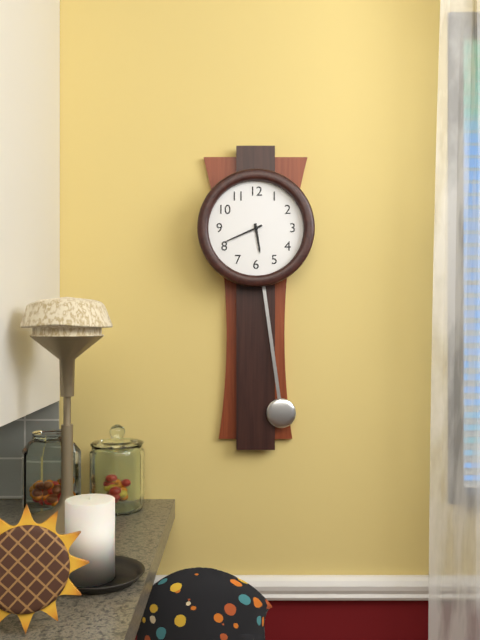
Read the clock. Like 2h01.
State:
5h41
